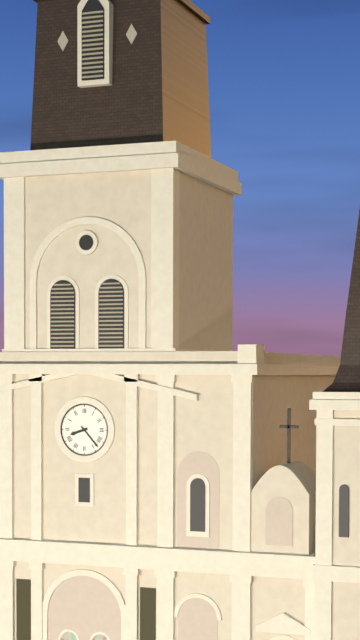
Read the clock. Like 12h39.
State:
8h23
